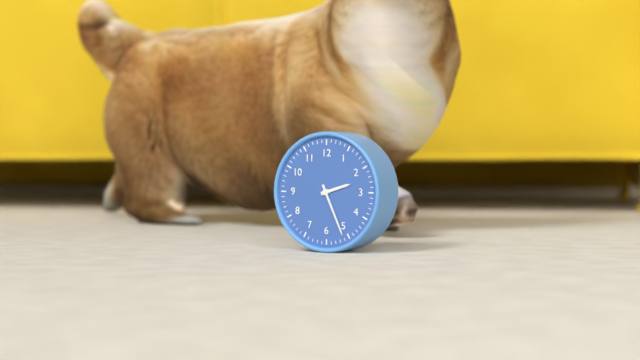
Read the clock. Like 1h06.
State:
2h26
